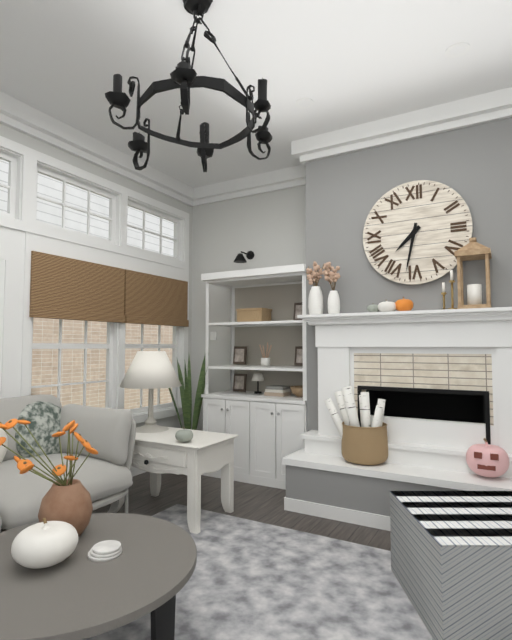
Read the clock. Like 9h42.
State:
7h32
